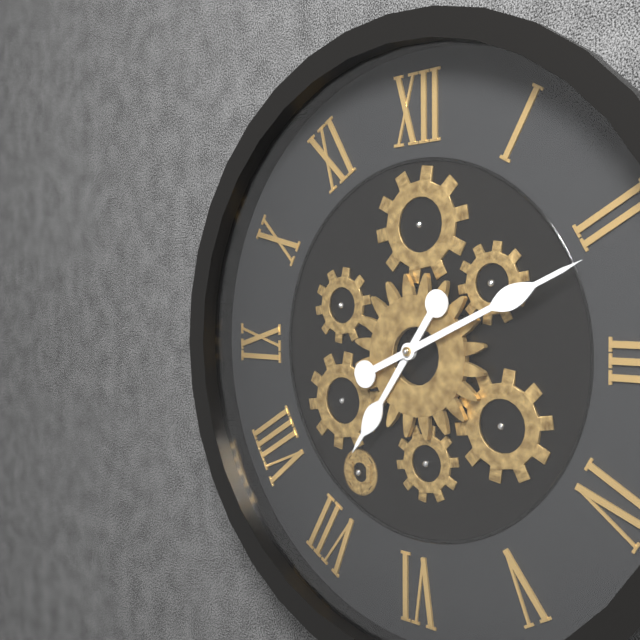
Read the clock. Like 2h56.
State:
7h11
